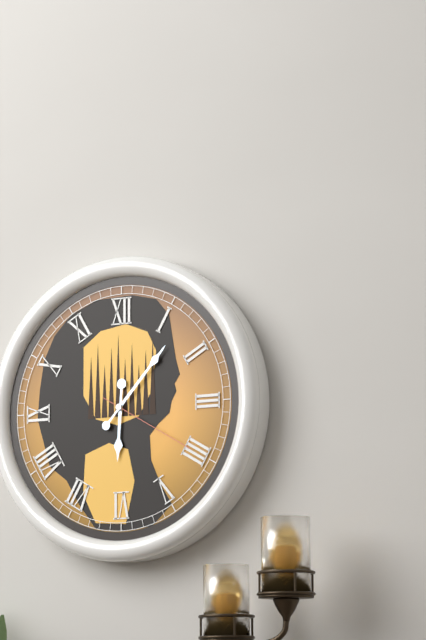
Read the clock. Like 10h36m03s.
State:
6h07m20s
